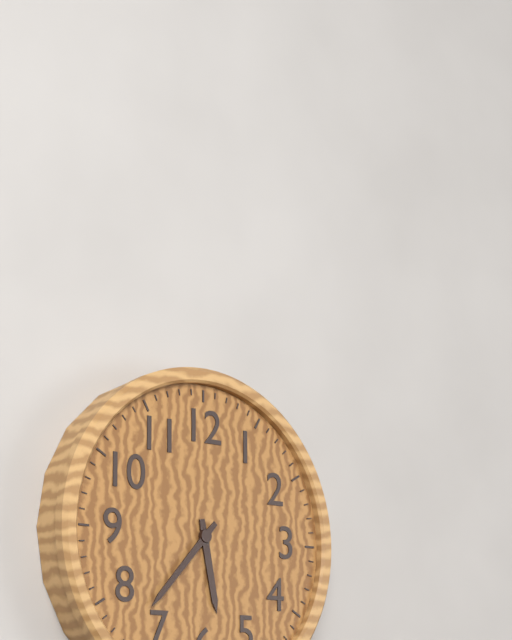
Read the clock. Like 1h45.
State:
5h37
